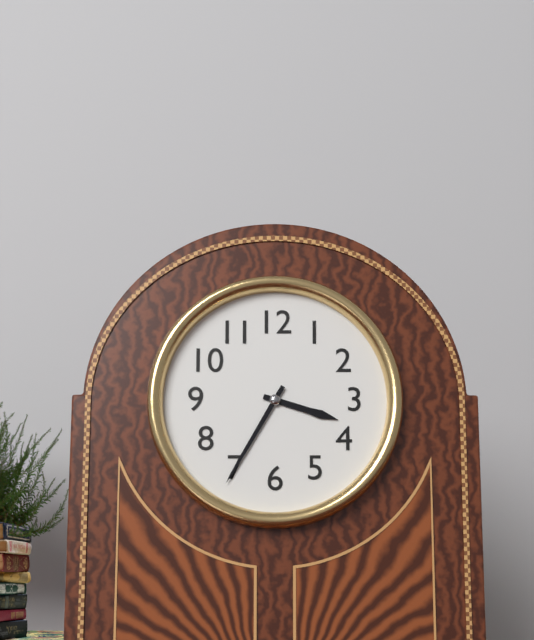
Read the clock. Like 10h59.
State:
3h35
